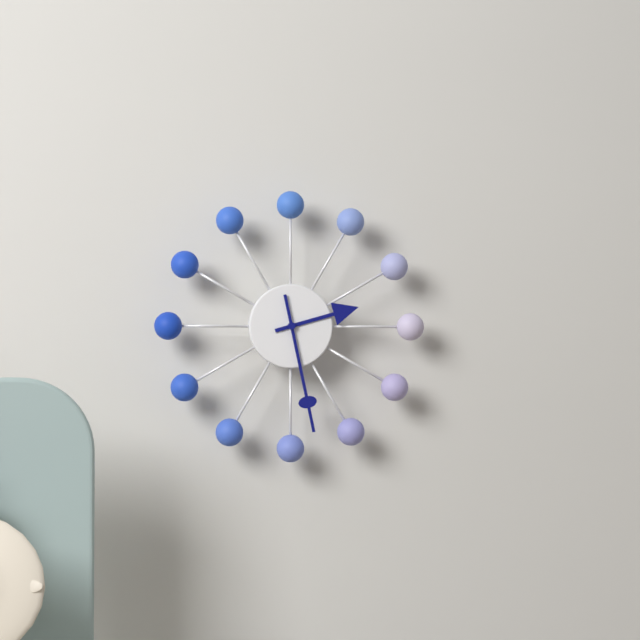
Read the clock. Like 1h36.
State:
2h28
